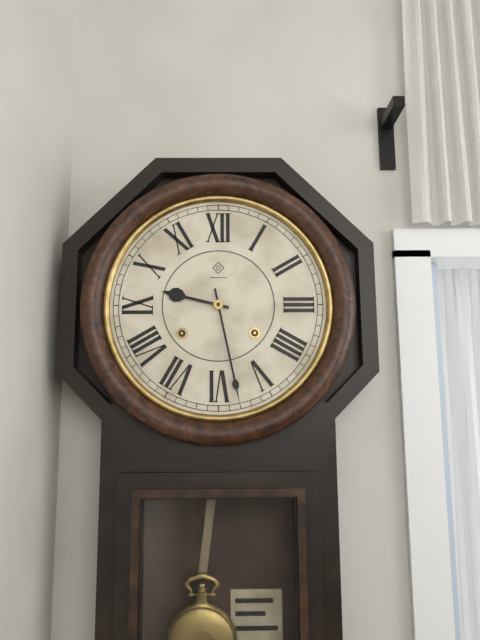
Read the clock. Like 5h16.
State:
9h28
